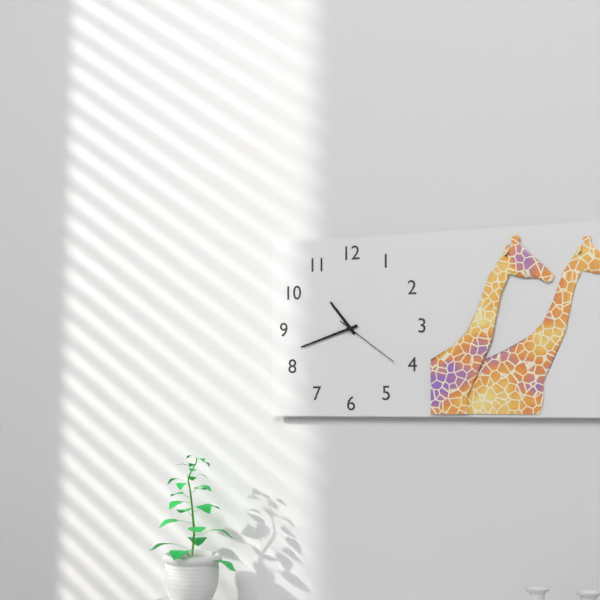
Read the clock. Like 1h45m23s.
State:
10h42m21s
